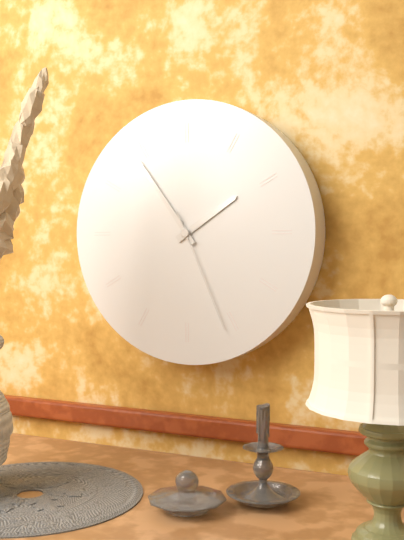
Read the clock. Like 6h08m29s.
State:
1h54m26s
